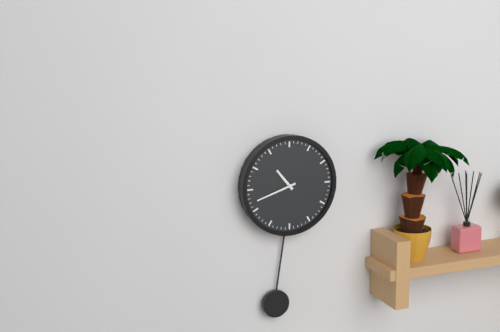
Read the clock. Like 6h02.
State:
10h42
